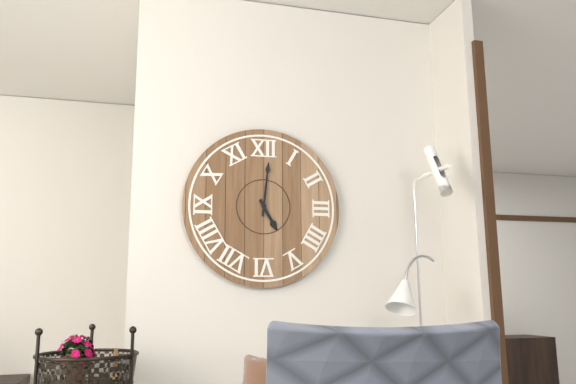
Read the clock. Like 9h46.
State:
5h01
